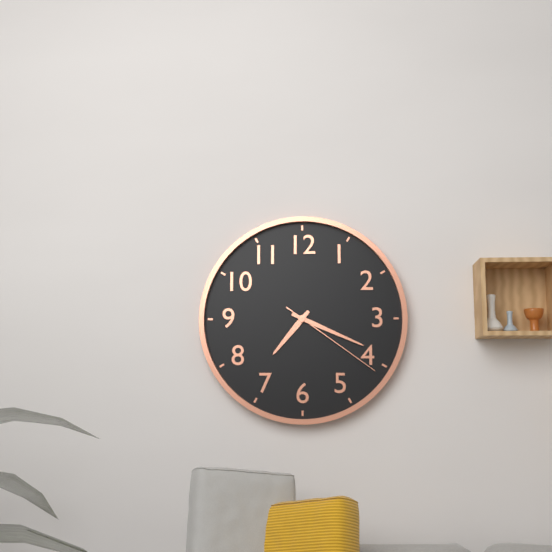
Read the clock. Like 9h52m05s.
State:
7h19m21s
